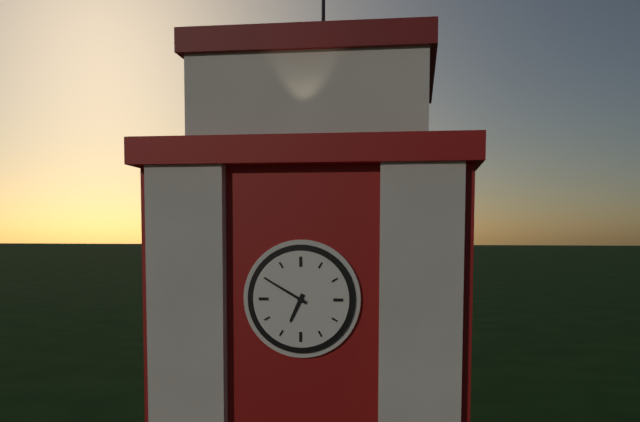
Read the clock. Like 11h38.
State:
6h50
